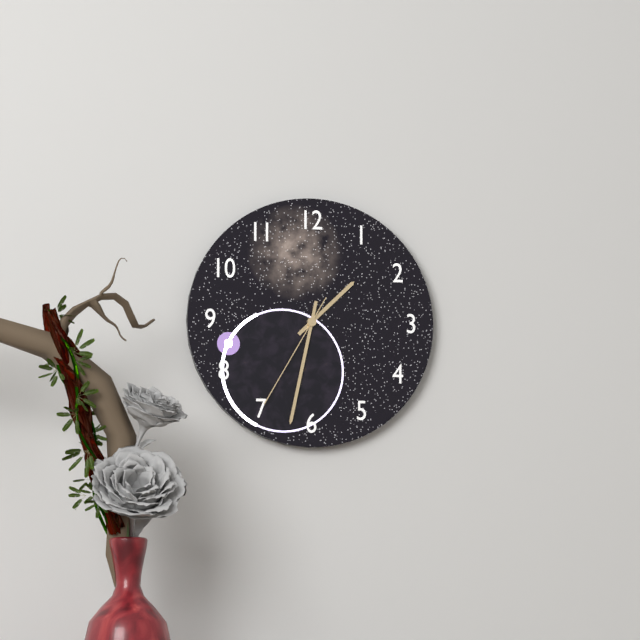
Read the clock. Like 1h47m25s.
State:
1h32m35s
